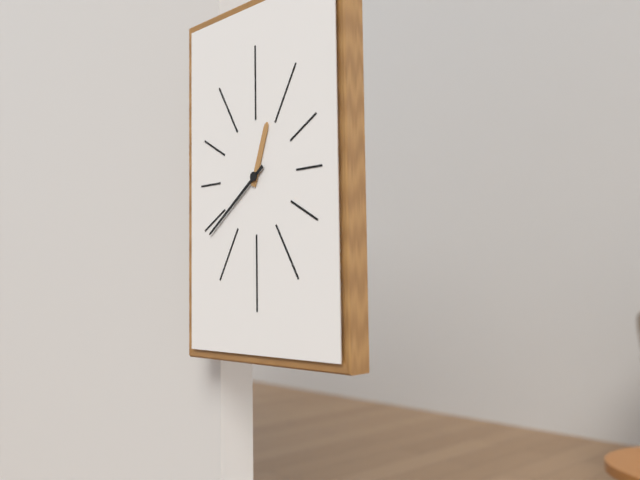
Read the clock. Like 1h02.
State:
12h39
